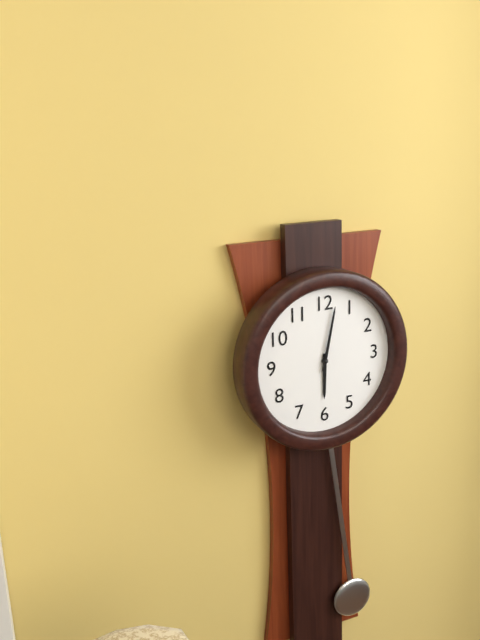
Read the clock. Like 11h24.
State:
6h02
